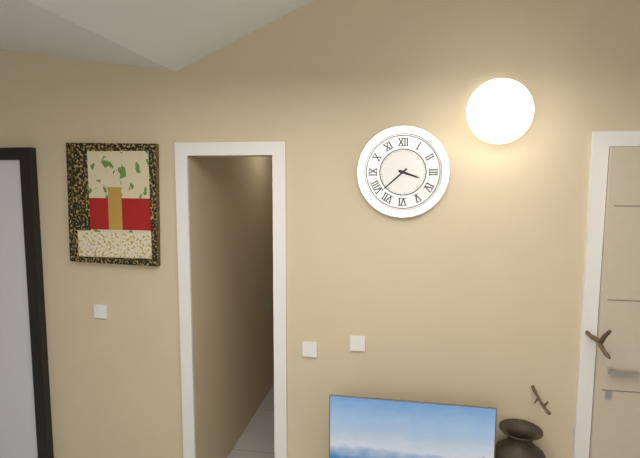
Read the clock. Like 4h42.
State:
3h38
